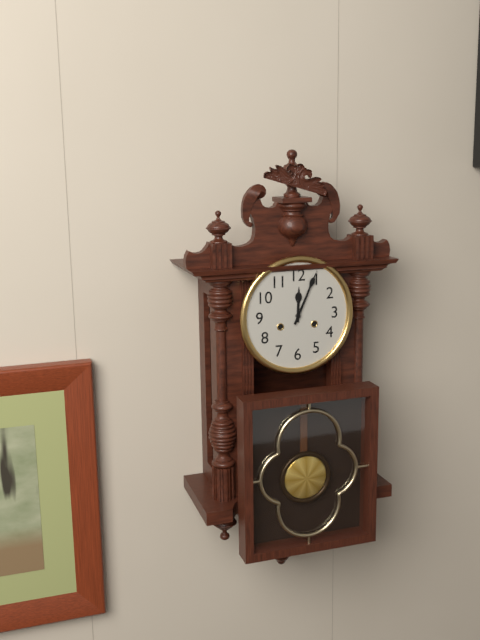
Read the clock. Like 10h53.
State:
12h04
